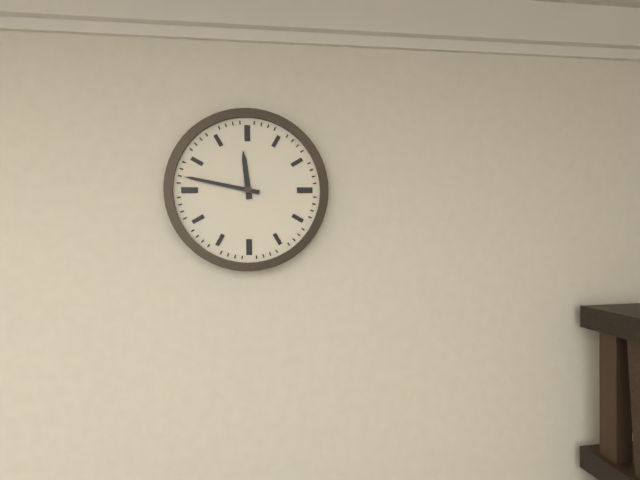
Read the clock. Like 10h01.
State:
11h47
